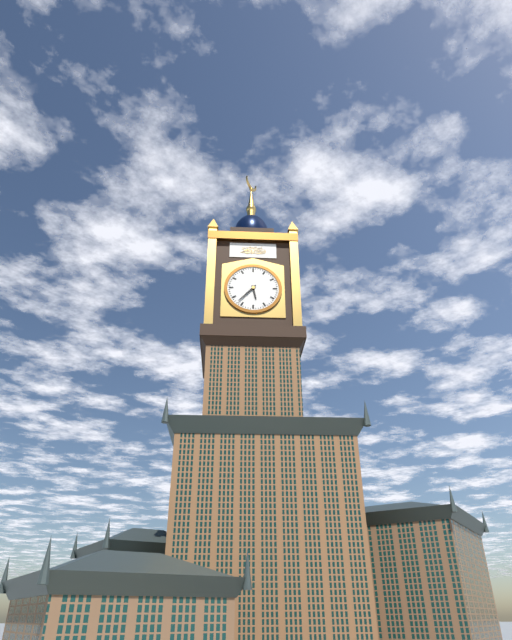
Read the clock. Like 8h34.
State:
5h37
